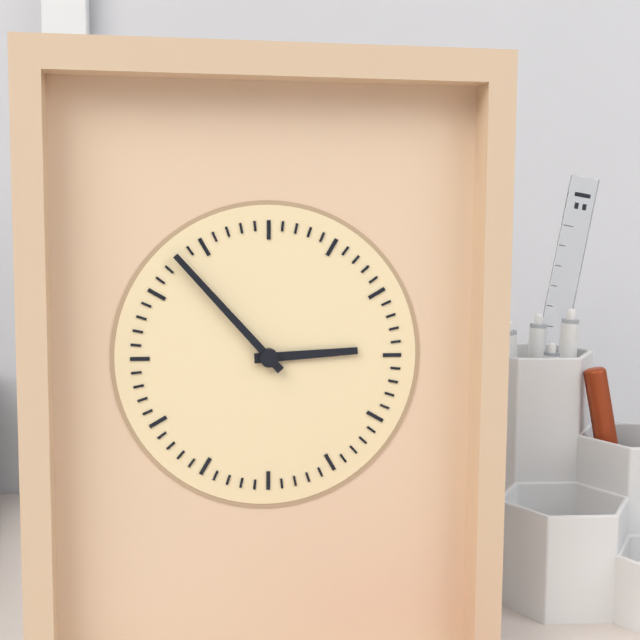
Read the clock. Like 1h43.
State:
2h53
